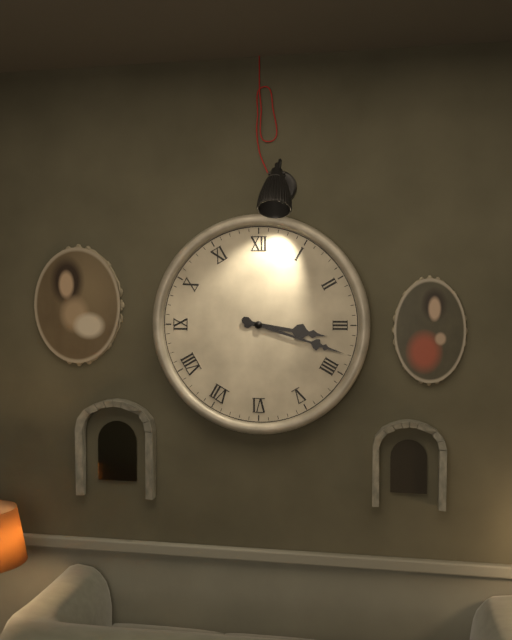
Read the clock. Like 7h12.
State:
3h18
